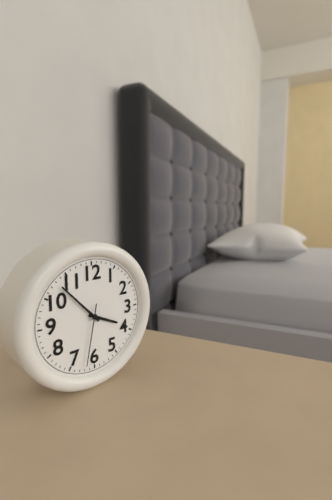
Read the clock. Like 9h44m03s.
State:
3h53m32s
